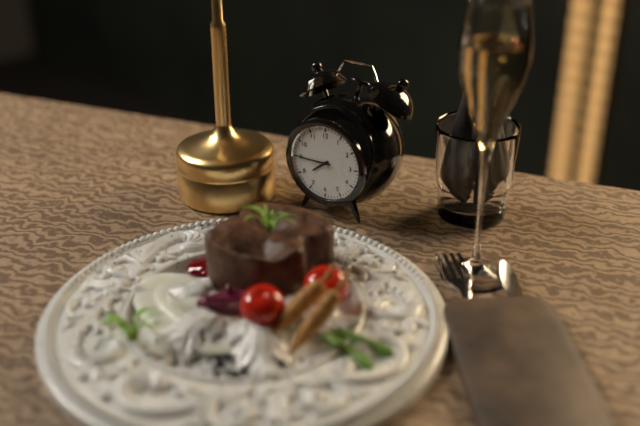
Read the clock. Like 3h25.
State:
7h45
